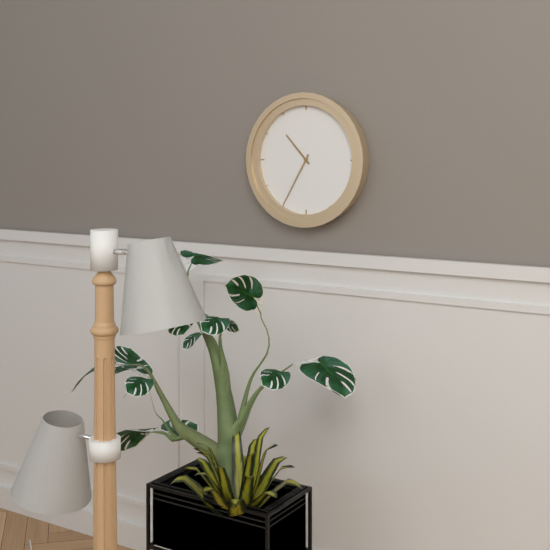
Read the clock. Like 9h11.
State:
10h35
